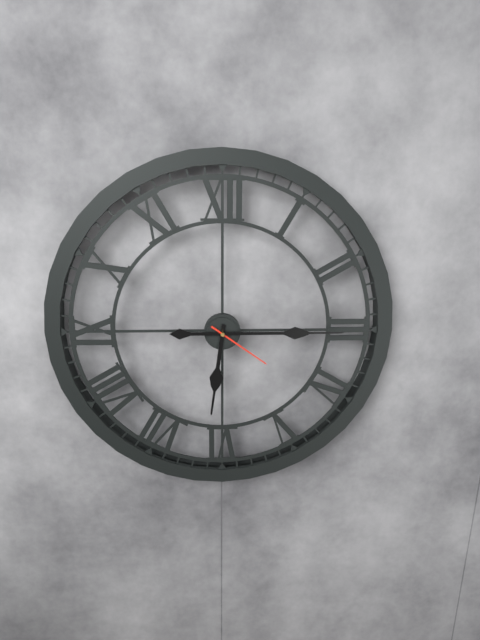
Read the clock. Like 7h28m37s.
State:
6h15m21s
